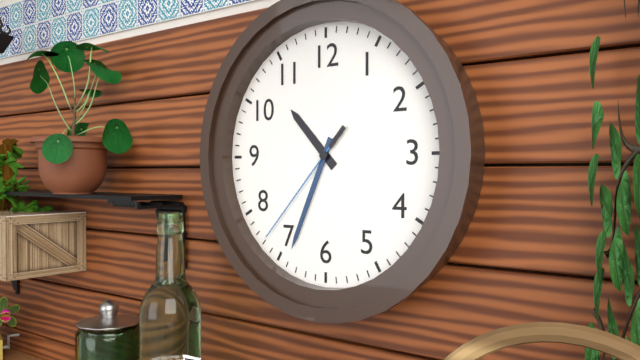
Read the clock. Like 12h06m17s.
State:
10h34m37s
